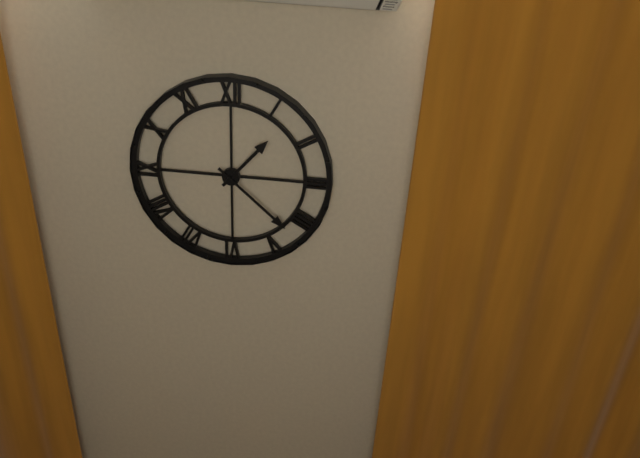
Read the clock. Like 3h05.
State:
1h22
